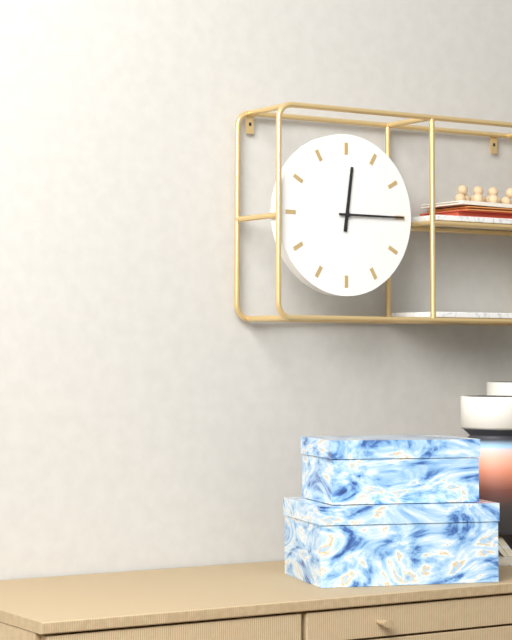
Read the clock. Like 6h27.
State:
12h15
